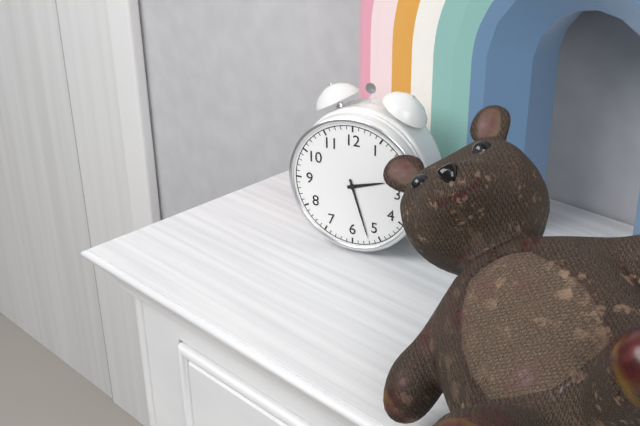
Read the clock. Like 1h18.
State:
2h27
